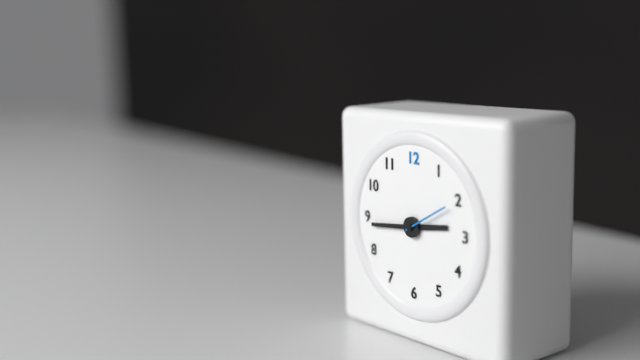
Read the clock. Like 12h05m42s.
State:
2h44m10s
